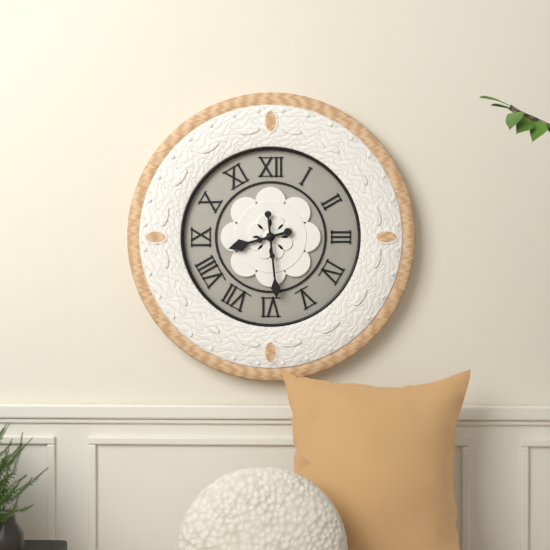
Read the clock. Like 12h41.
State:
8h29
